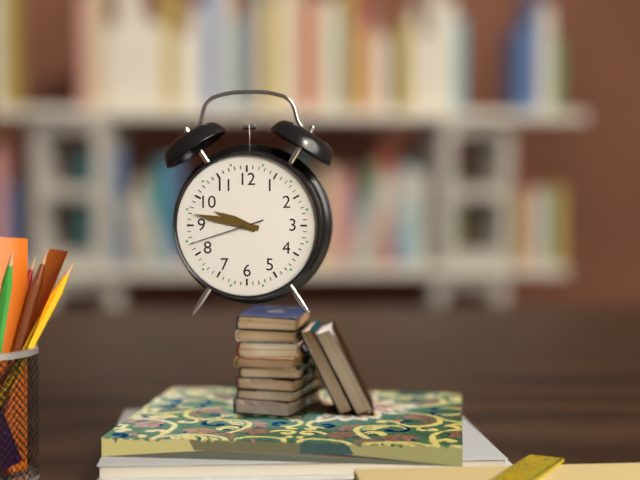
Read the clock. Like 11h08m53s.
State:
9h47m42s
